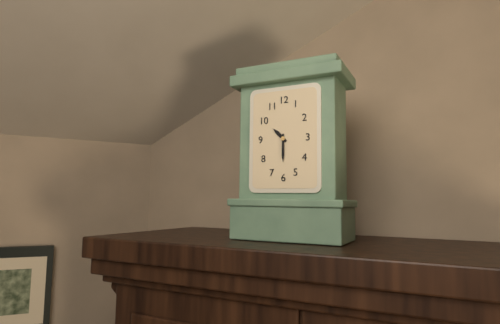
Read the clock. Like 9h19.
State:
10h30
